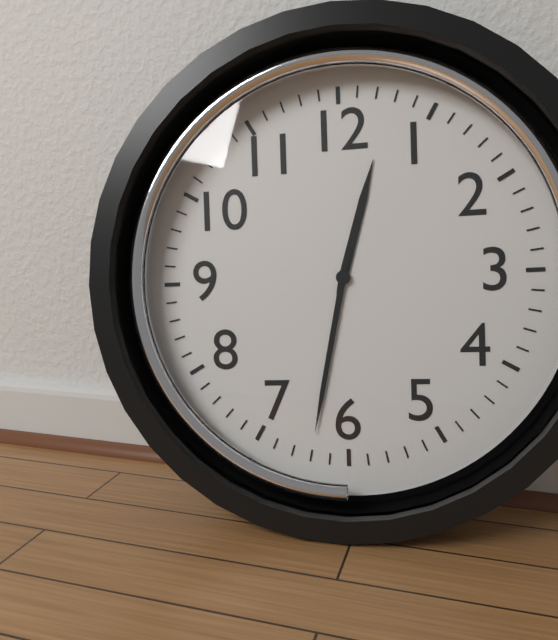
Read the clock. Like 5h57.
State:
12h32
